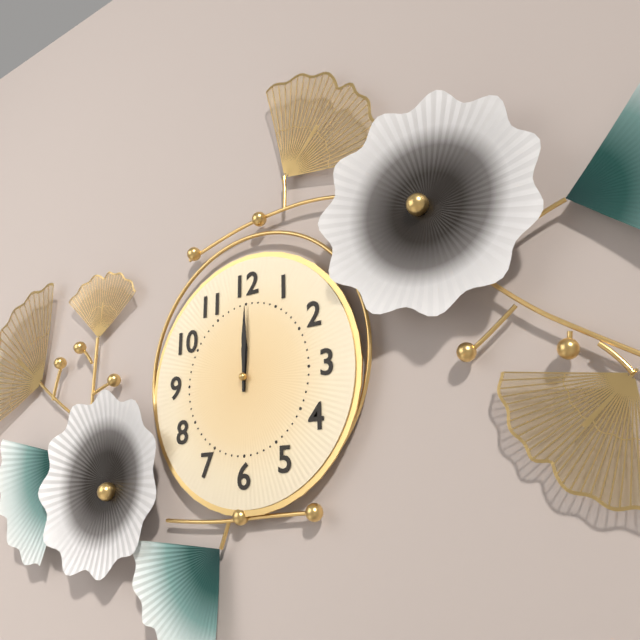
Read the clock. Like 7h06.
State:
12h00
